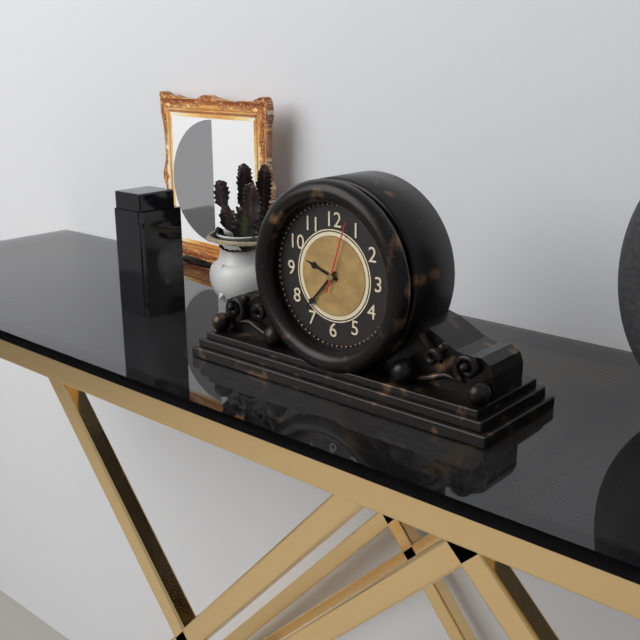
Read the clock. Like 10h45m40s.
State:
9h37m03s
